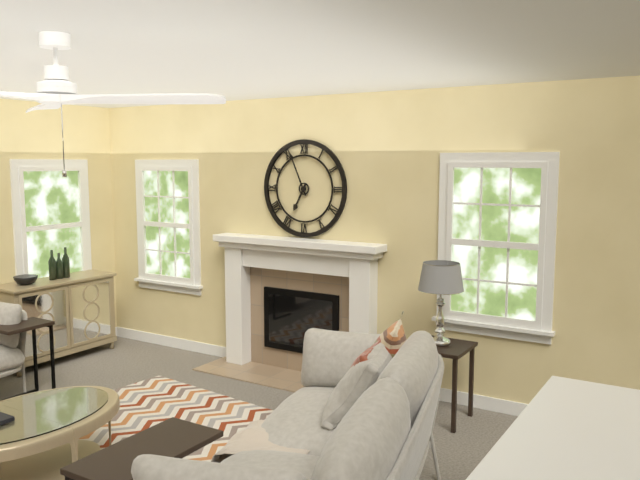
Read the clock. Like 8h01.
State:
6h56
